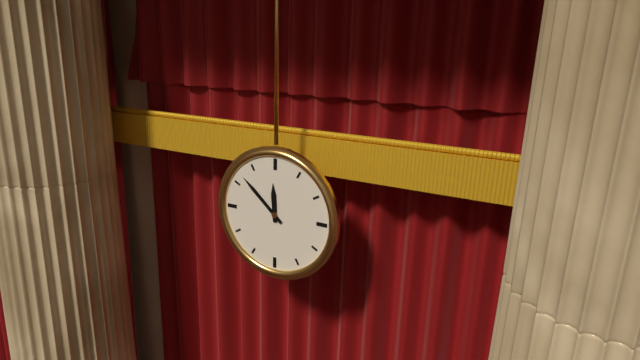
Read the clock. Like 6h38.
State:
11h52
